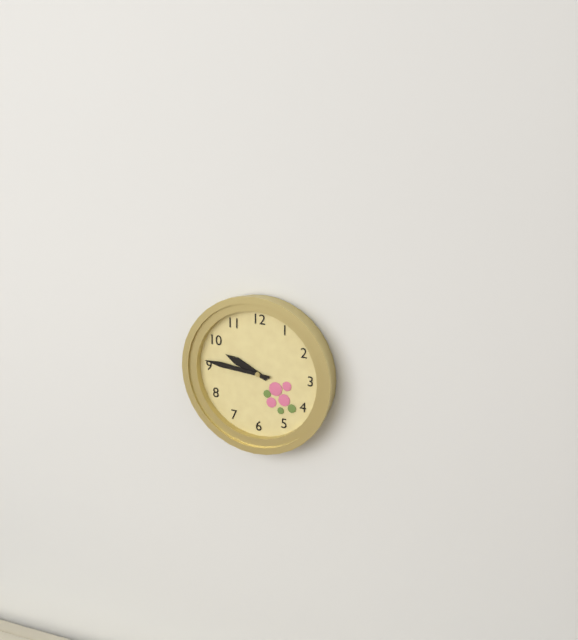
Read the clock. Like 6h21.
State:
9h46
